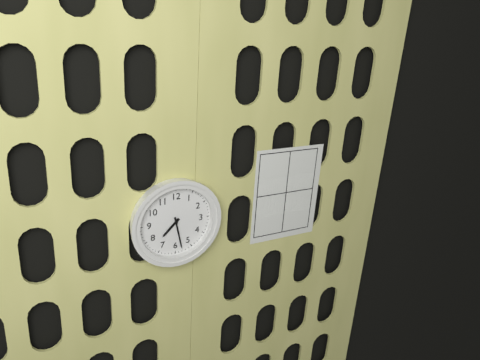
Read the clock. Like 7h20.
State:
7h28
